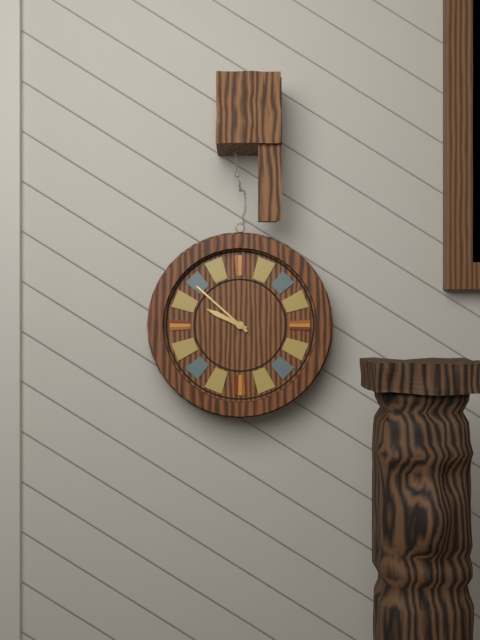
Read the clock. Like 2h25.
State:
9h52
